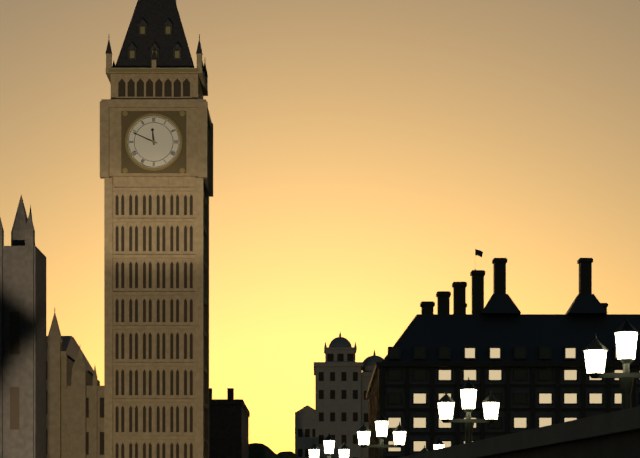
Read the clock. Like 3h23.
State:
11h49
